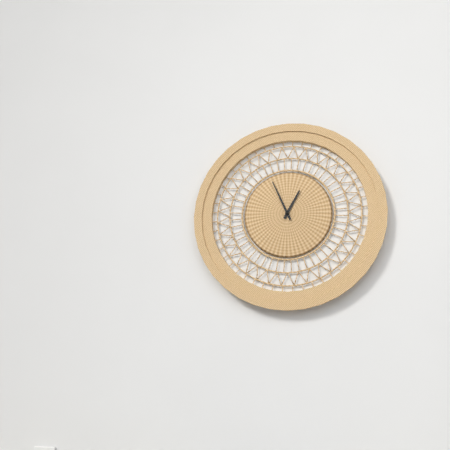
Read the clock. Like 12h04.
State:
12h56
